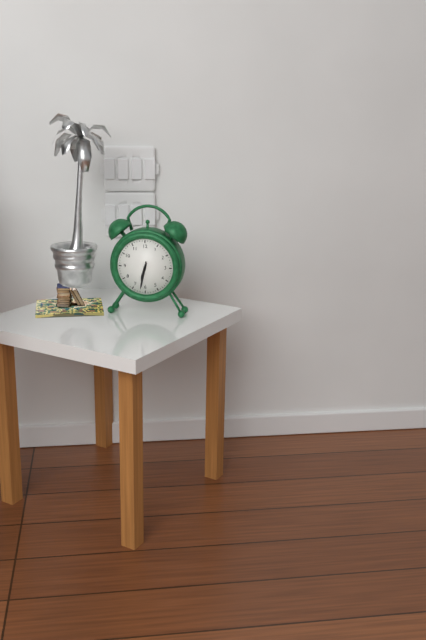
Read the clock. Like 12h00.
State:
6h32
